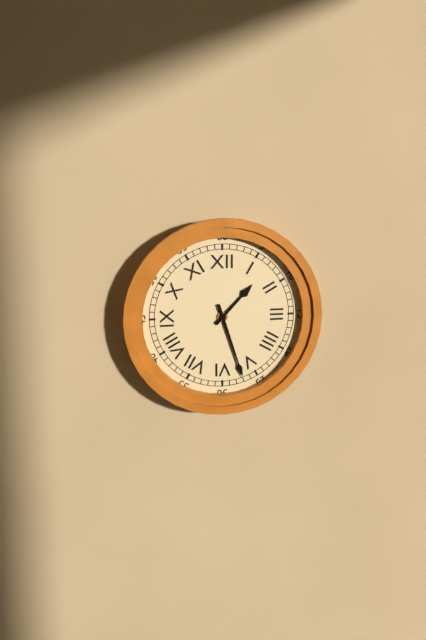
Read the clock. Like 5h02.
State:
1h27
